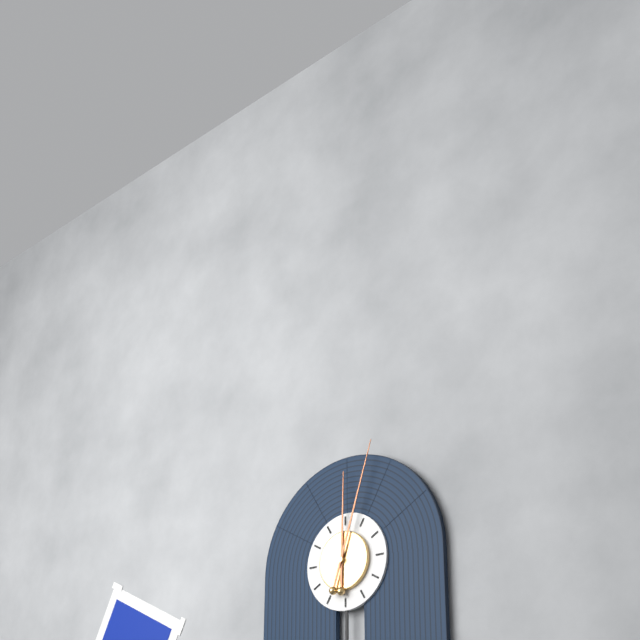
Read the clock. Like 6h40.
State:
12h03
